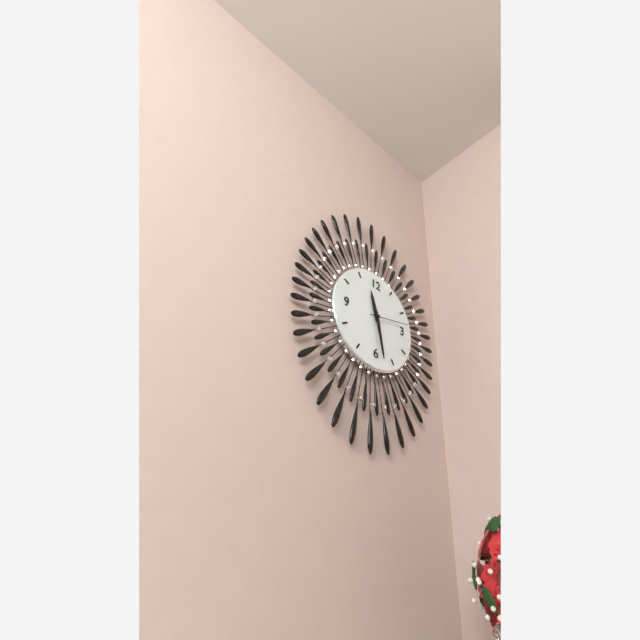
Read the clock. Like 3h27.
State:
11h28
